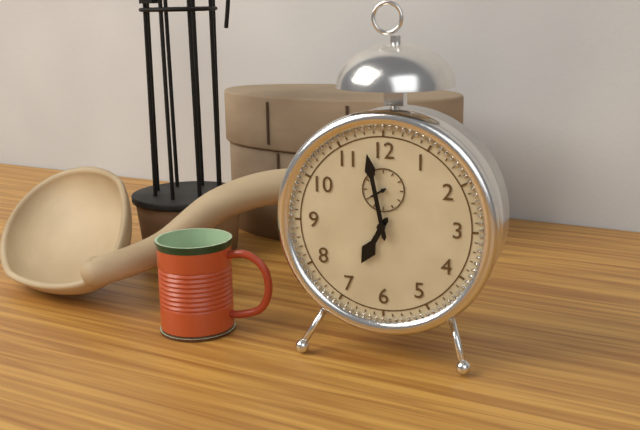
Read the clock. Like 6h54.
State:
6h58
